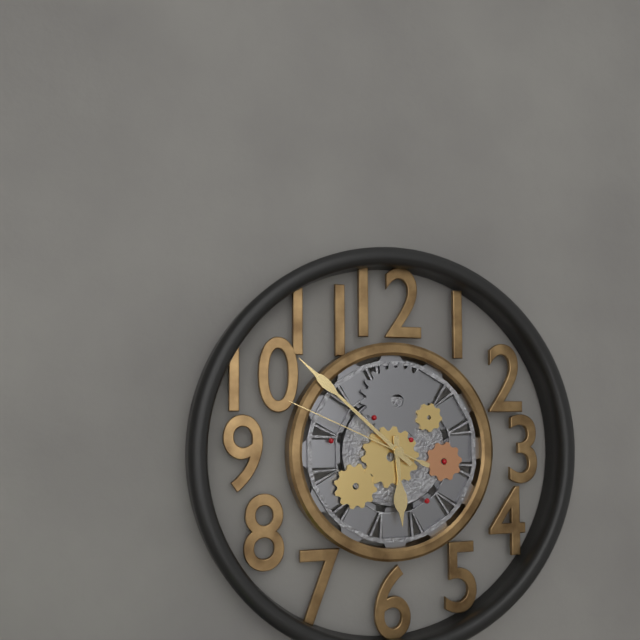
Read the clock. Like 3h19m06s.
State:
5h52m49s
